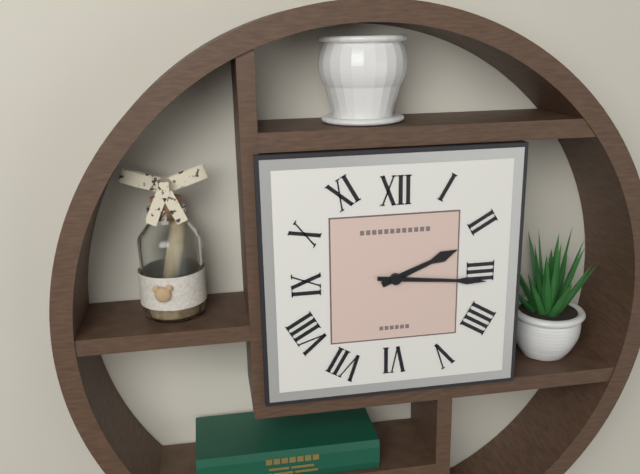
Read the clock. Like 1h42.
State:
2h16
